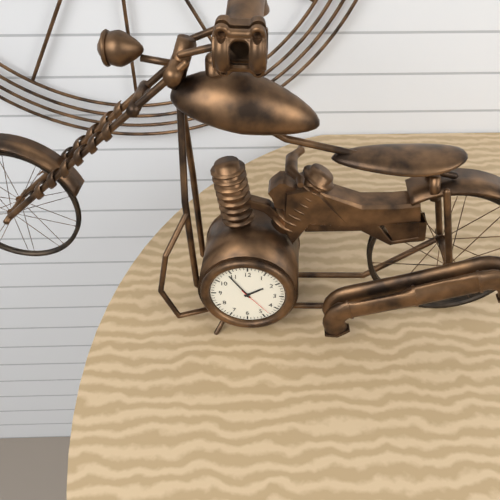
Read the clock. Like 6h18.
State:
1h54
